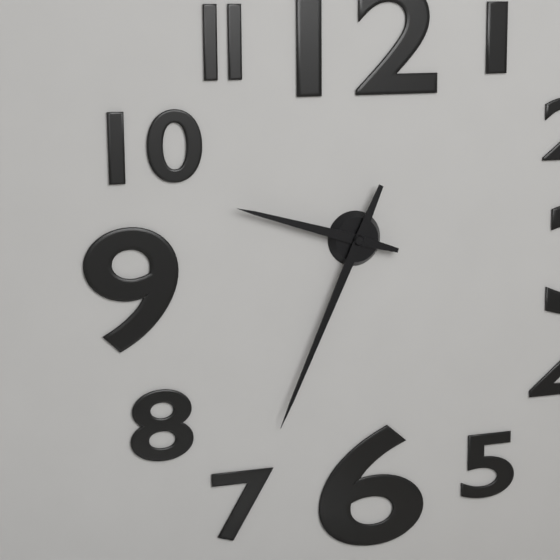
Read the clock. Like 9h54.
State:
9h34
